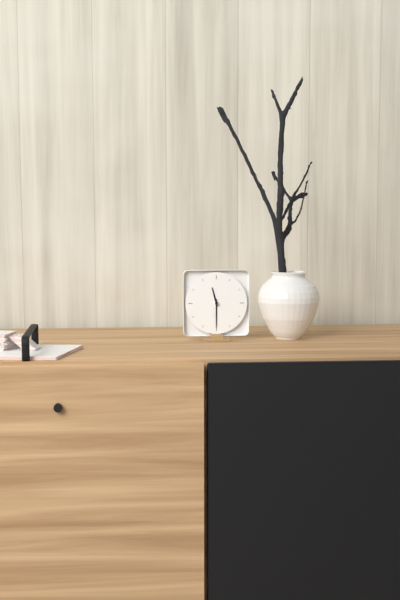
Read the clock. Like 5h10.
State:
11h30
